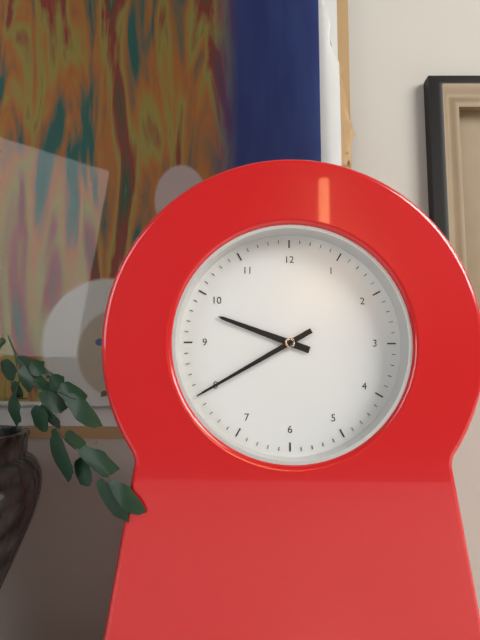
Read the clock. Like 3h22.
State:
9h40
